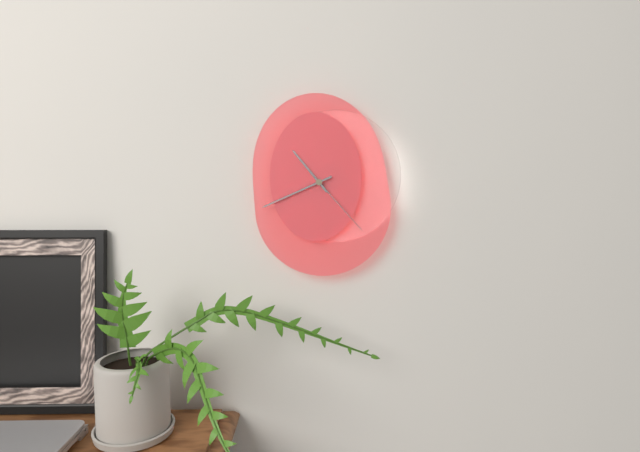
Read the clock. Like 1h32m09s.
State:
10h41m23s
